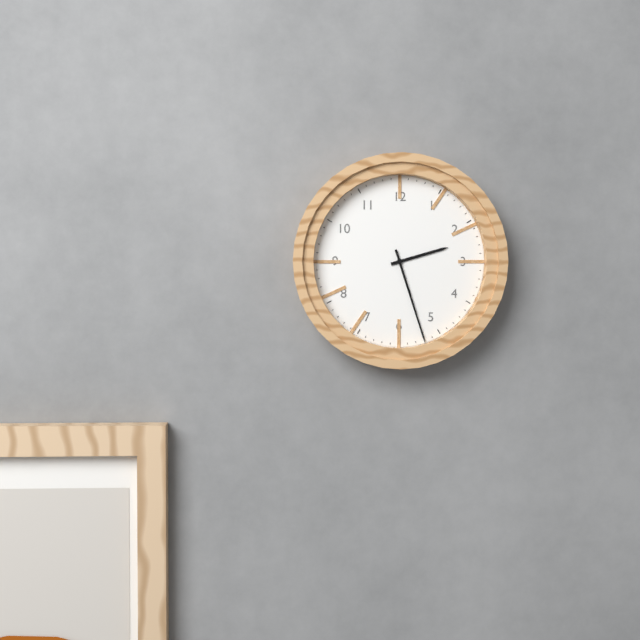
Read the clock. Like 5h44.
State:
2h27
